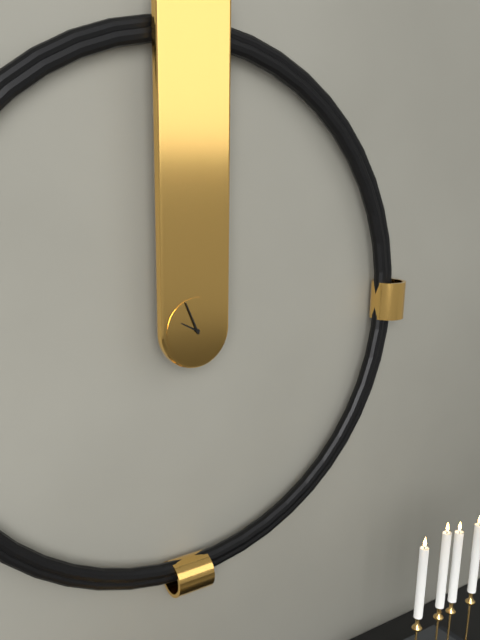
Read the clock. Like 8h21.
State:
9h56
